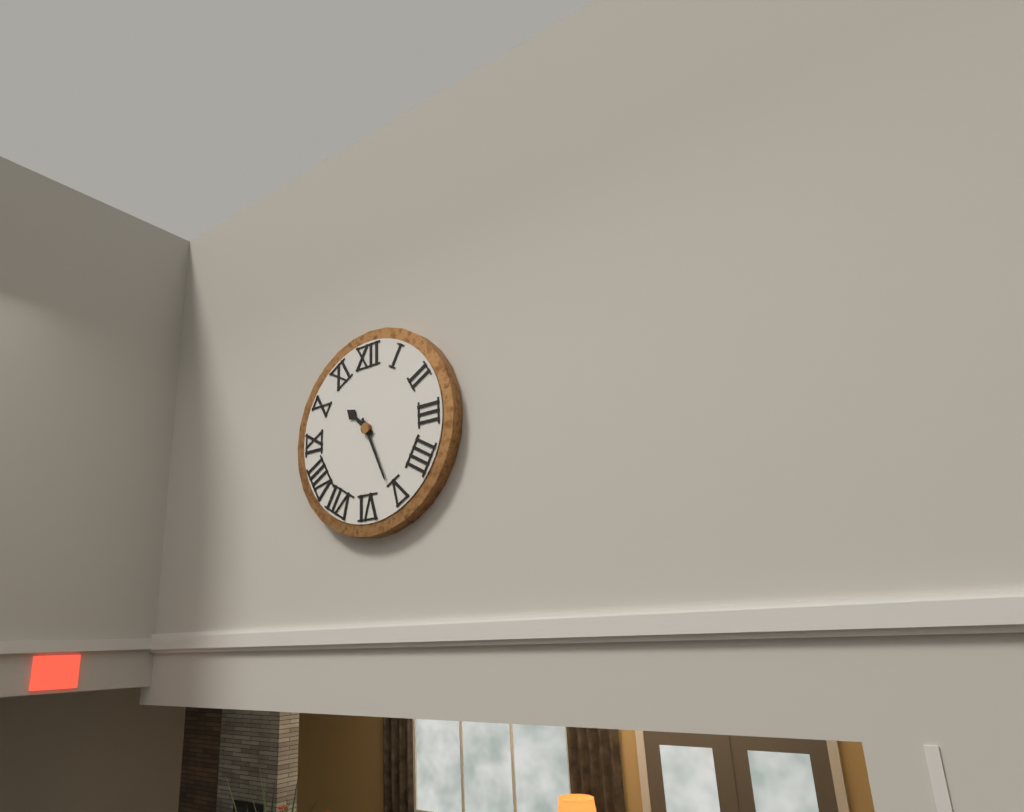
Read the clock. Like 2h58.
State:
10h26
